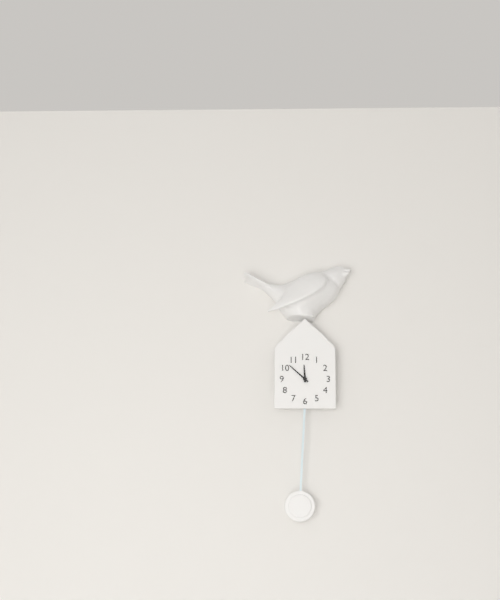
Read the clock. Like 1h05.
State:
11h52
